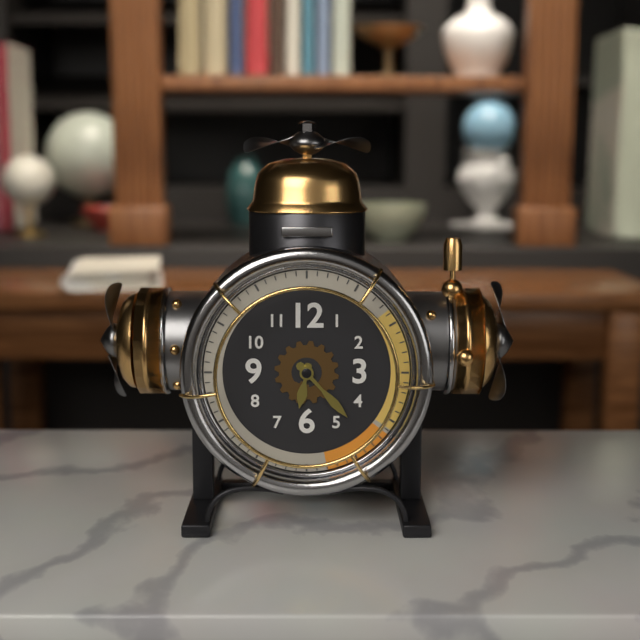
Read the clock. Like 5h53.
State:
6h23
